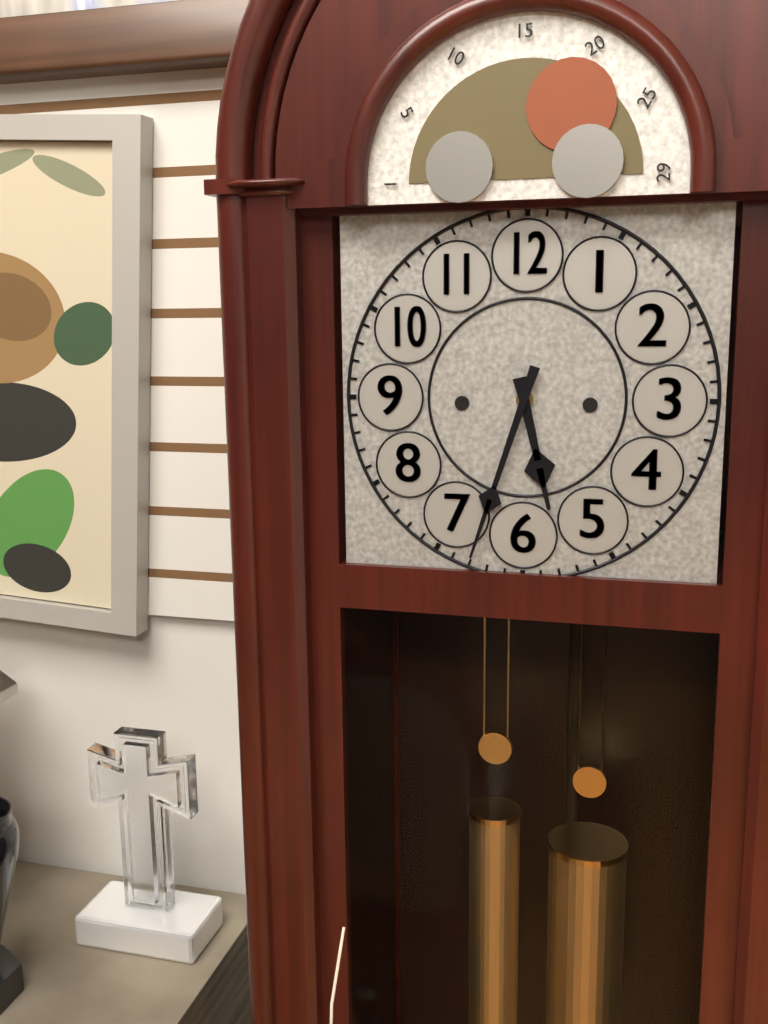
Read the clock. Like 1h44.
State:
5h33
